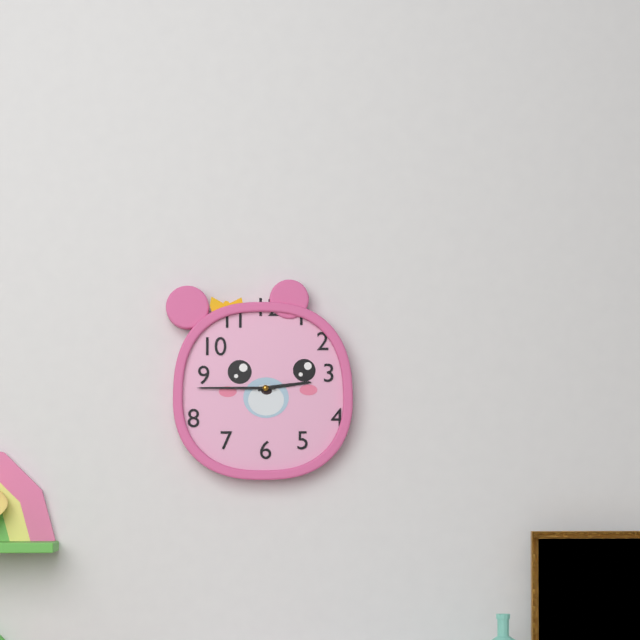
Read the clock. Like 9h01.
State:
2h45
